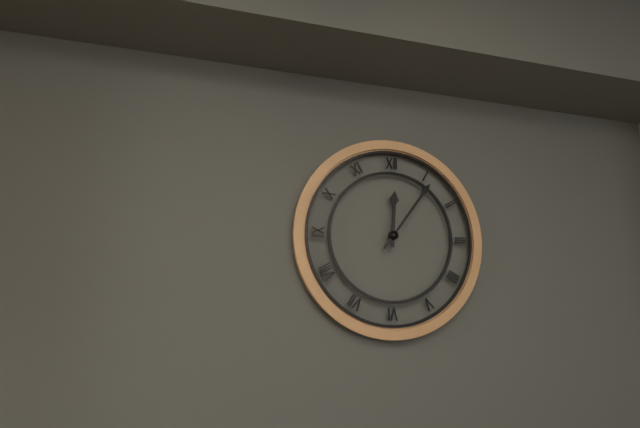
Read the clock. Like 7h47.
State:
12h06
